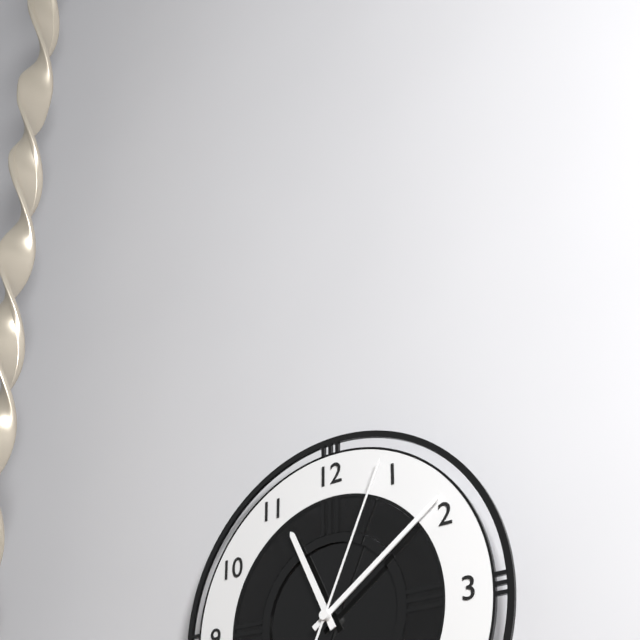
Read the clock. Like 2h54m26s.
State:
11h09m04s
